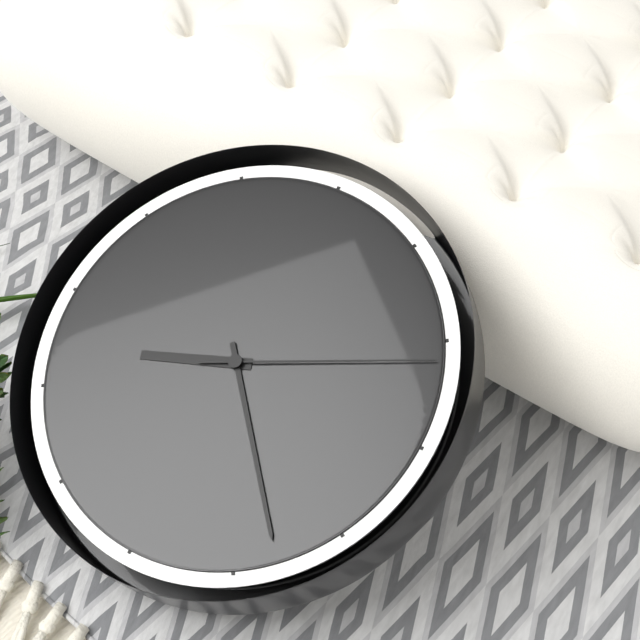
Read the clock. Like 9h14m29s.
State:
8h23m11s
